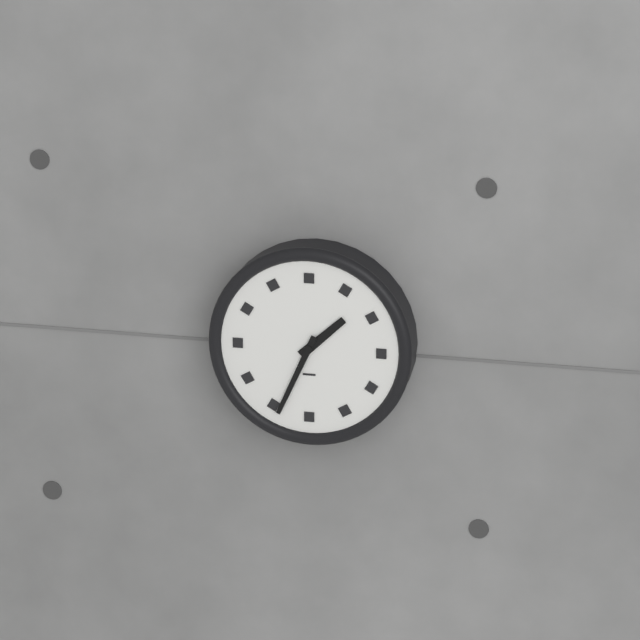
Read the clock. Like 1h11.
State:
1h34
